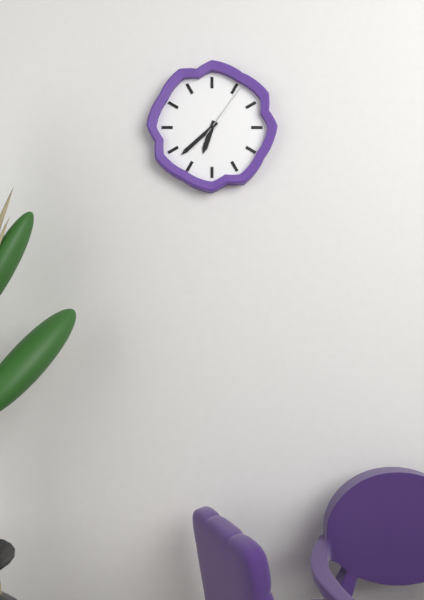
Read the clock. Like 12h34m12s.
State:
6h38m06s
